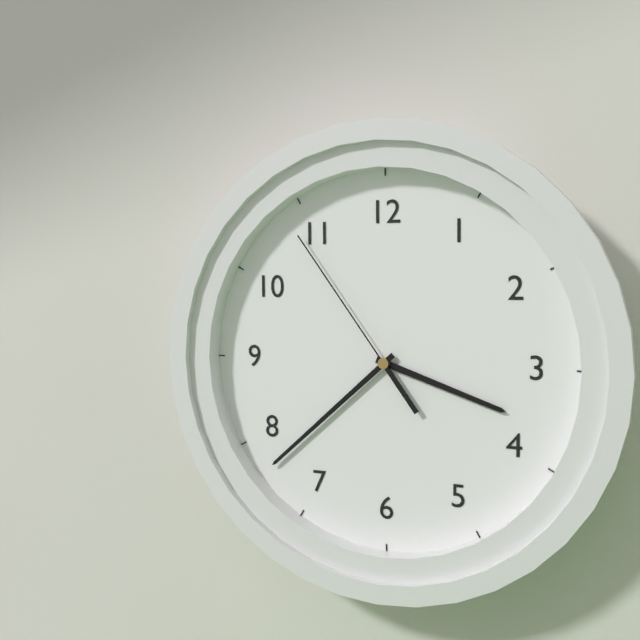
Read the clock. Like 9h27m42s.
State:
3h38m54s
